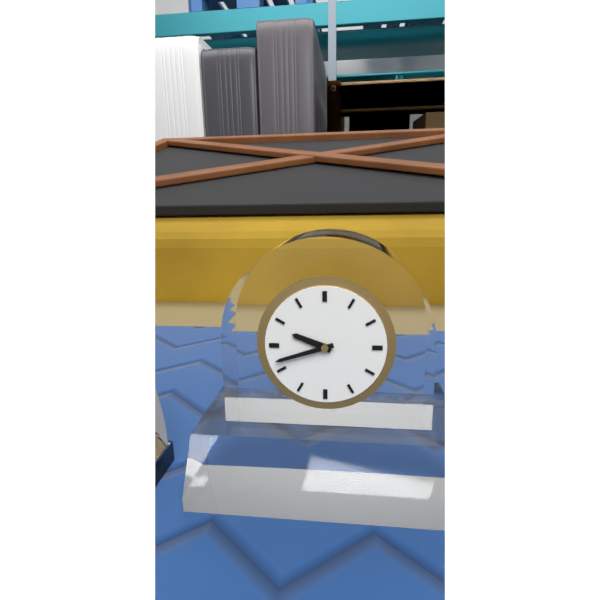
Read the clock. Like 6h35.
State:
9h42
